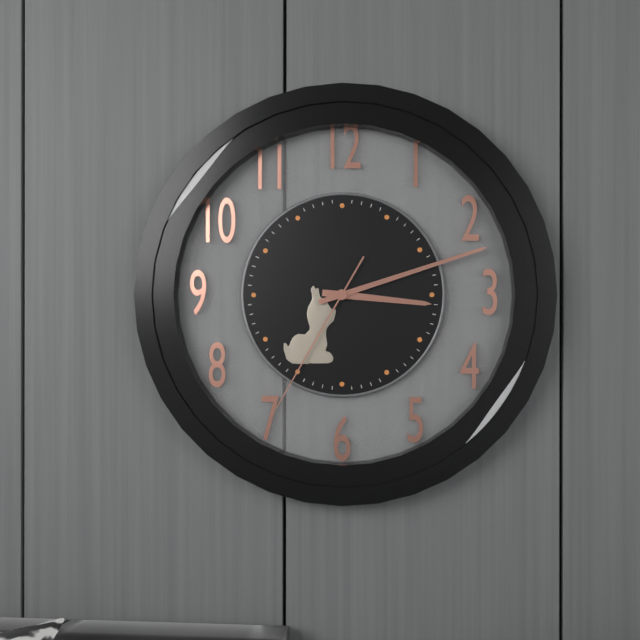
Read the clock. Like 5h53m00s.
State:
3h12m35s
